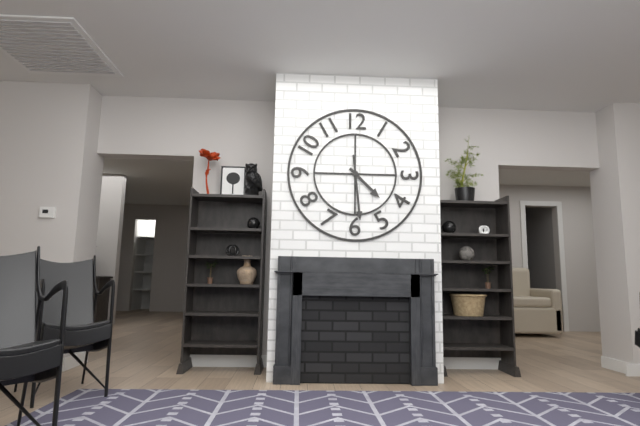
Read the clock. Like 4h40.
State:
4h29
